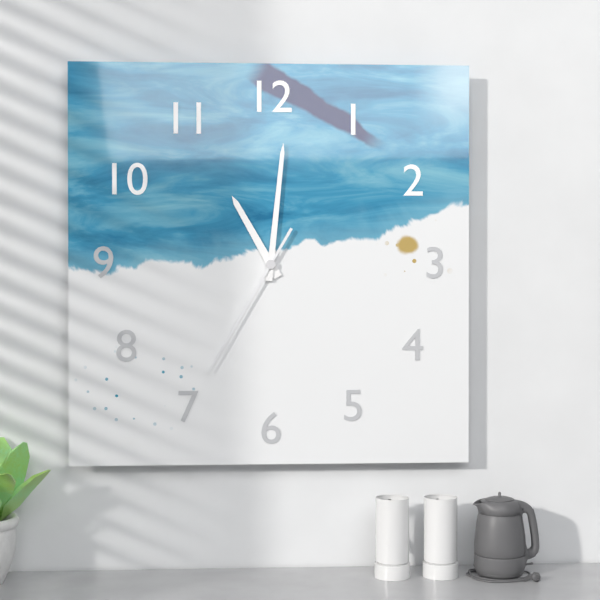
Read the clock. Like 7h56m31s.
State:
11h01m35s
